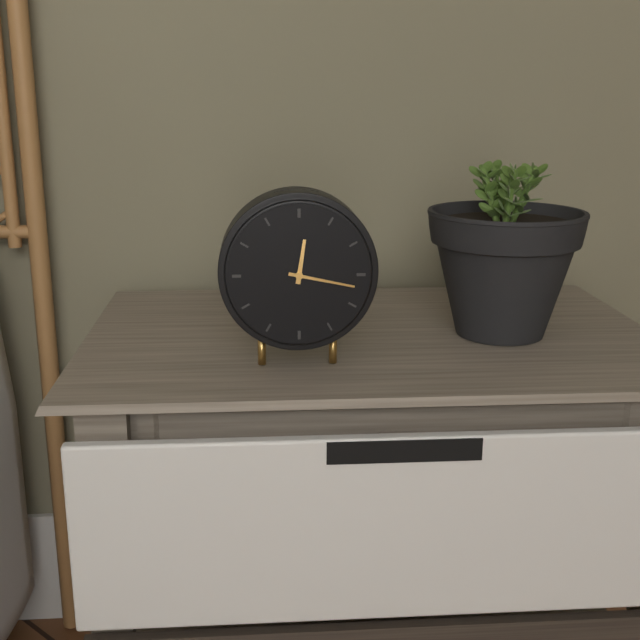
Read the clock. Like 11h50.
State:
12h17
